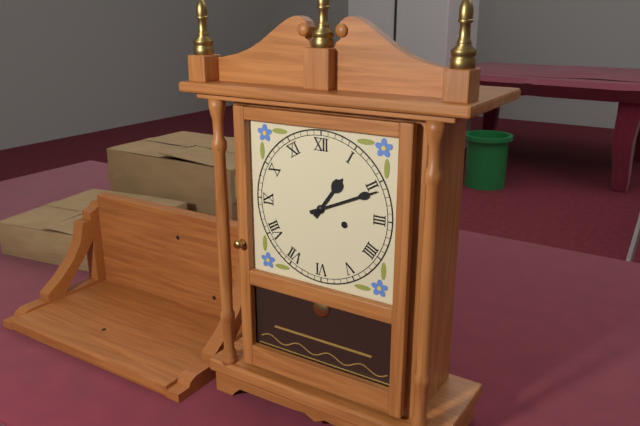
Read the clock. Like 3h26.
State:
1h11
